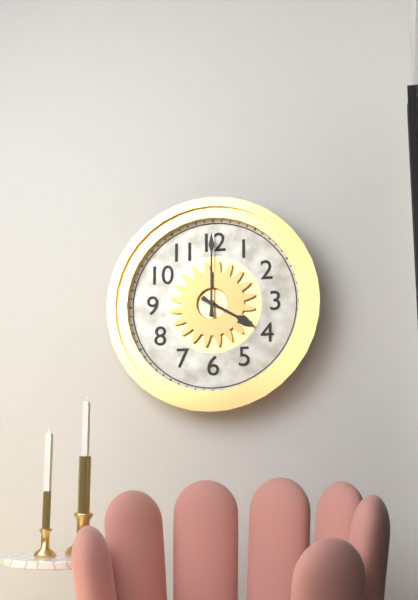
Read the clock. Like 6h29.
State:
4h00
